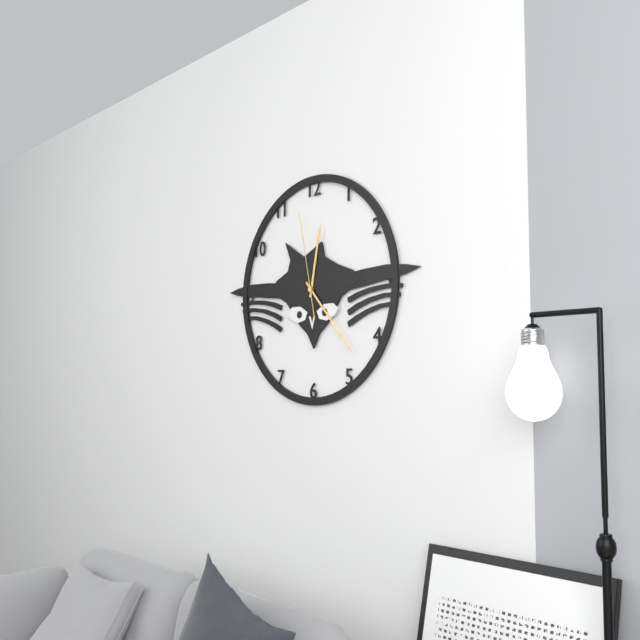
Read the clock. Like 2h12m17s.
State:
12h23m58s
